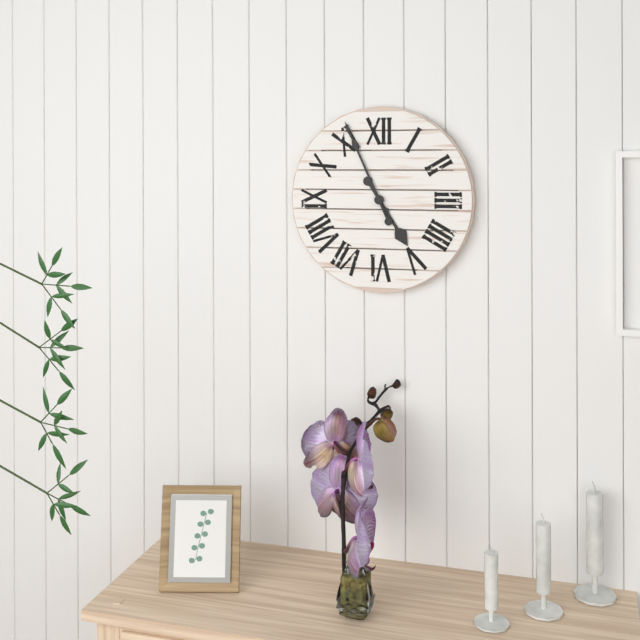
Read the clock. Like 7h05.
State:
4h56
